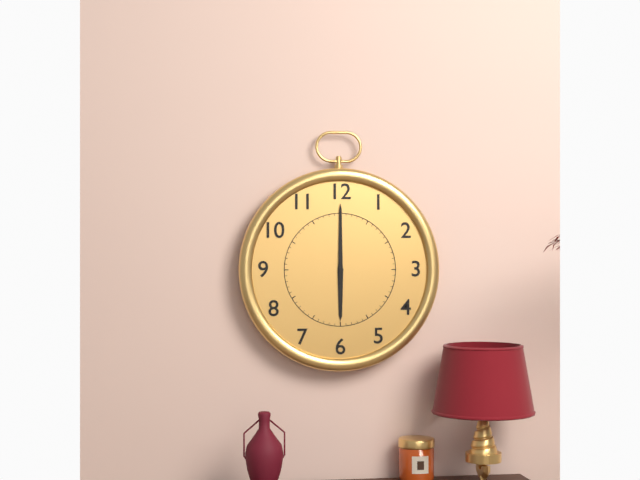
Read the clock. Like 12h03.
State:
6h00
